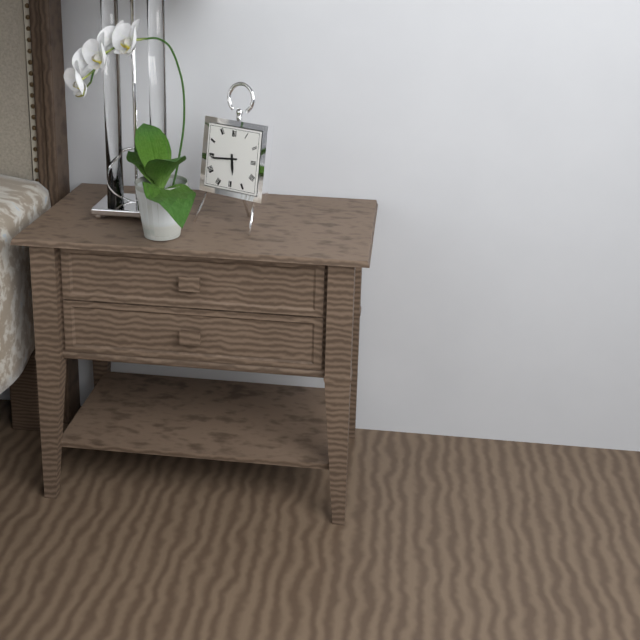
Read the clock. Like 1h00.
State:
5h44
